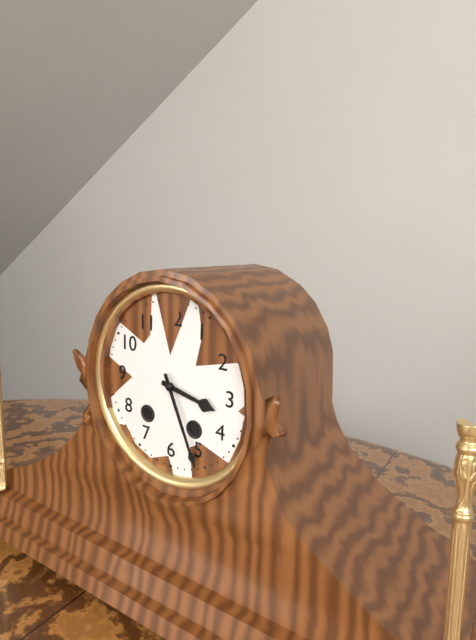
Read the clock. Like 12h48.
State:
3h26
